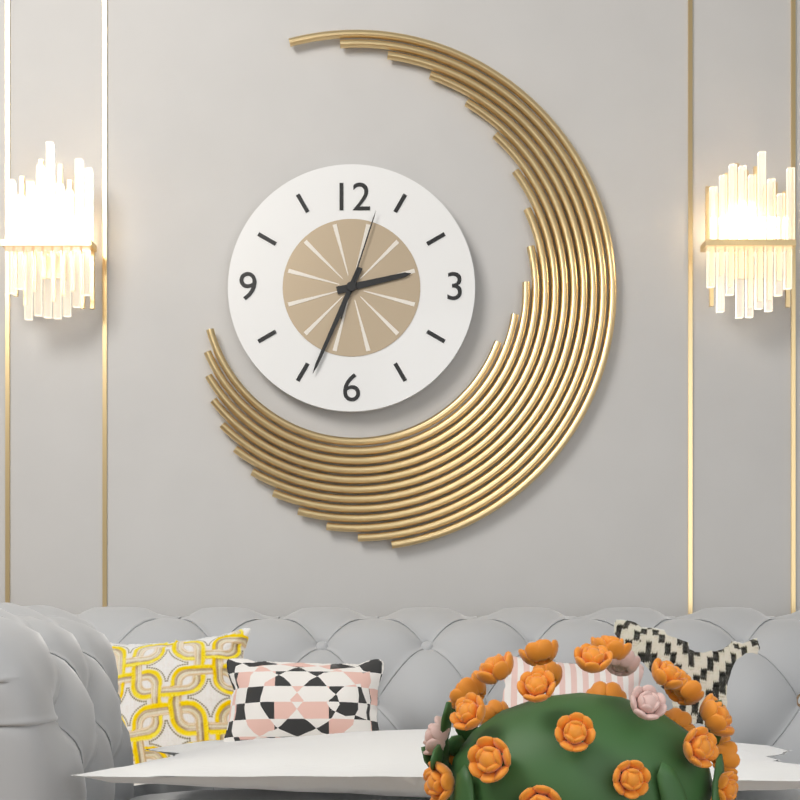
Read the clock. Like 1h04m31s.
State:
2h34m03s
